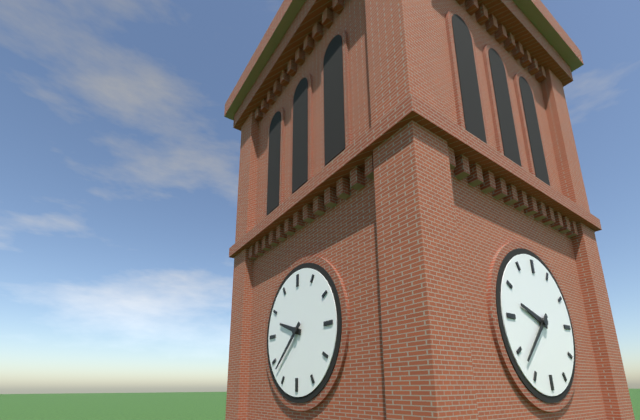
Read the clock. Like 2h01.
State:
9h38
